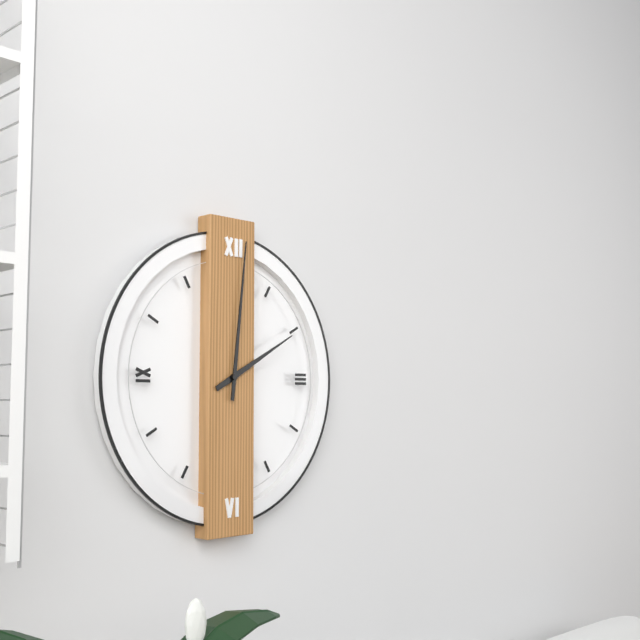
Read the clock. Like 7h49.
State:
2h01
